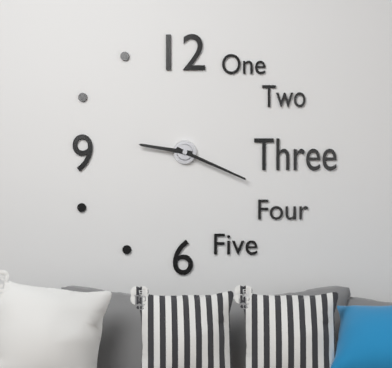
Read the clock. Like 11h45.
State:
9h19
